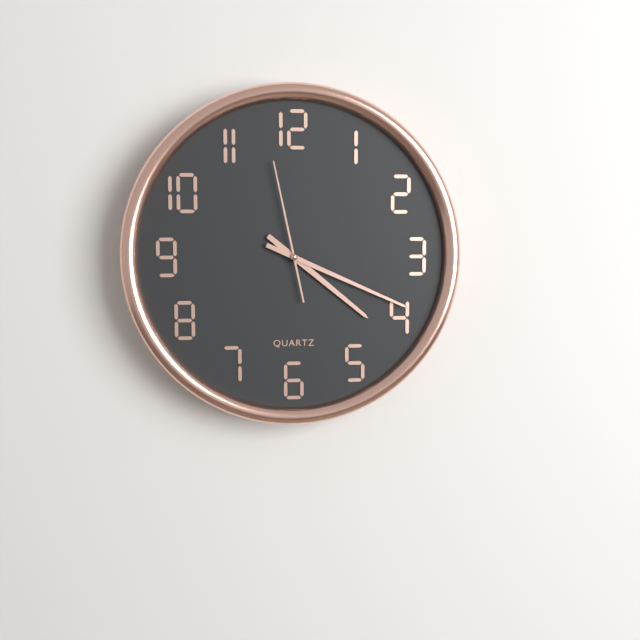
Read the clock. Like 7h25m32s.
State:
4h19m58s
